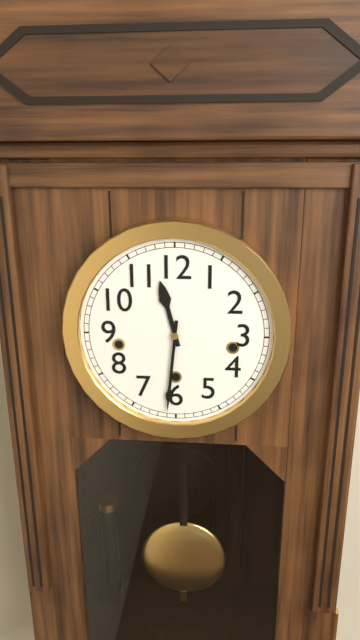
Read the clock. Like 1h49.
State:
11h31
